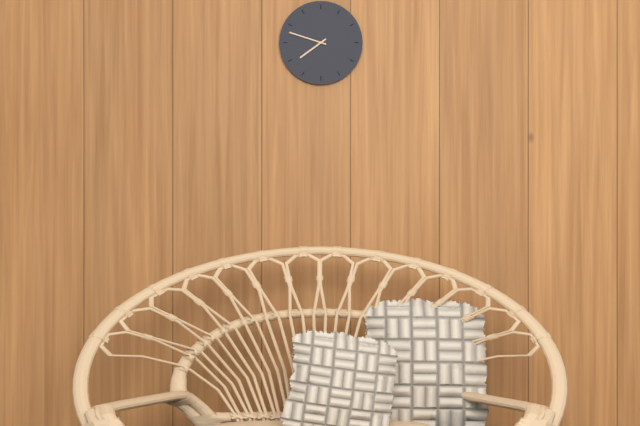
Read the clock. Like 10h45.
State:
7h48
